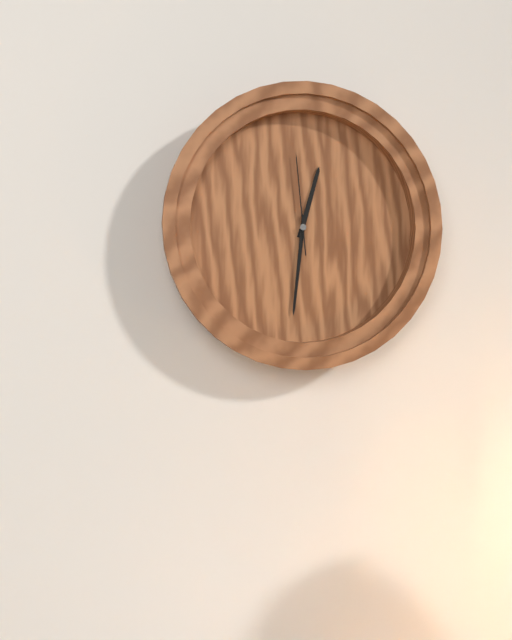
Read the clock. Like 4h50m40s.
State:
12h31m59s
